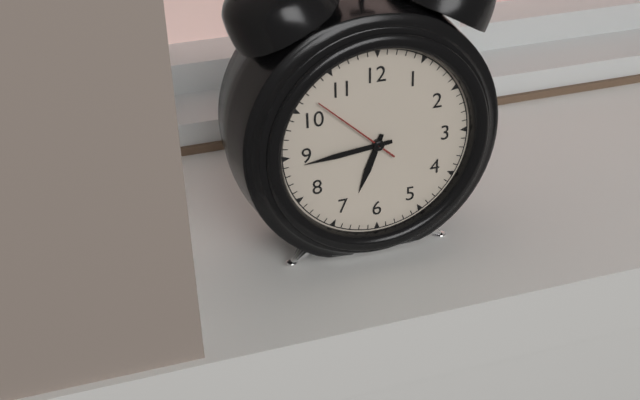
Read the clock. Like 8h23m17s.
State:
6h44m52s
